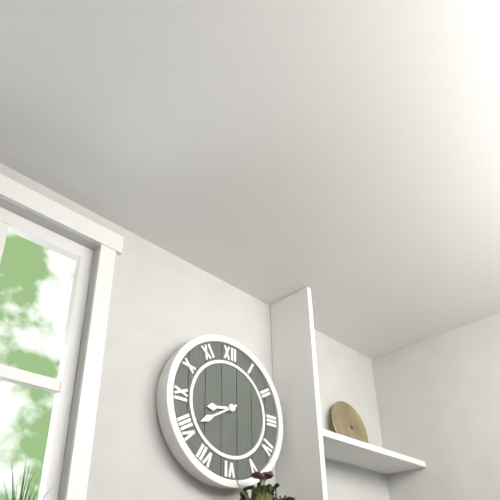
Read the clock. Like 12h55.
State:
8h40
